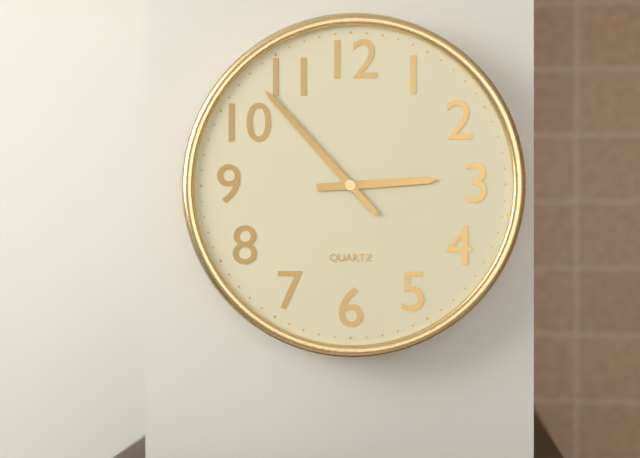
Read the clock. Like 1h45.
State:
2h53
